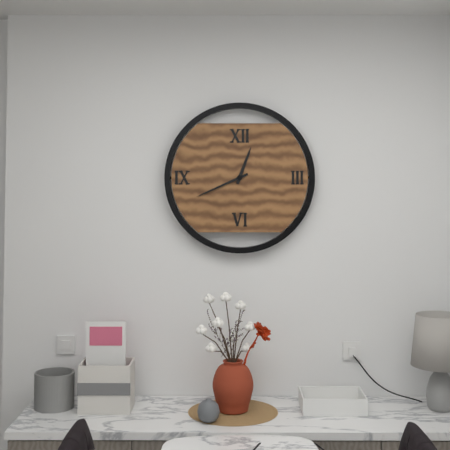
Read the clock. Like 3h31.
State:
12h41
